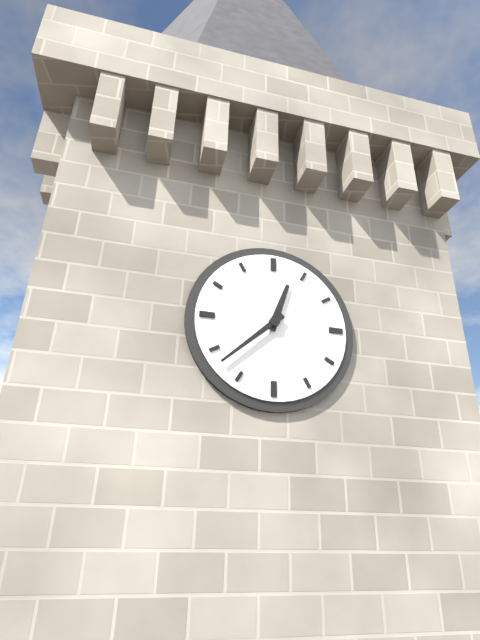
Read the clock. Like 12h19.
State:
12h38
